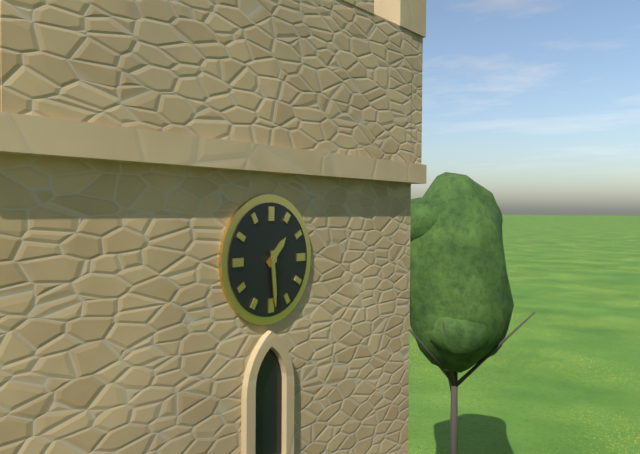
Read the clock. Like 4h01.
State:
1h29
